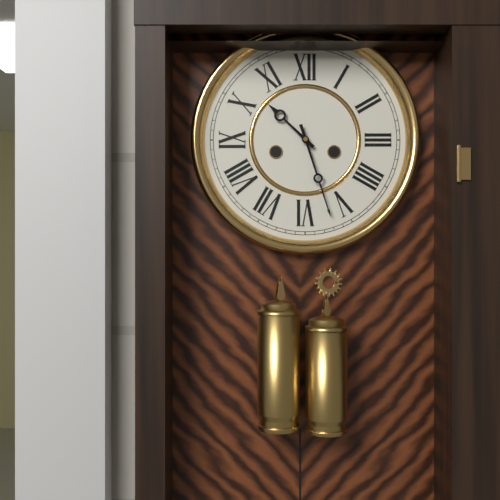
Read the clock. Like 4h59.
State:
10h27
